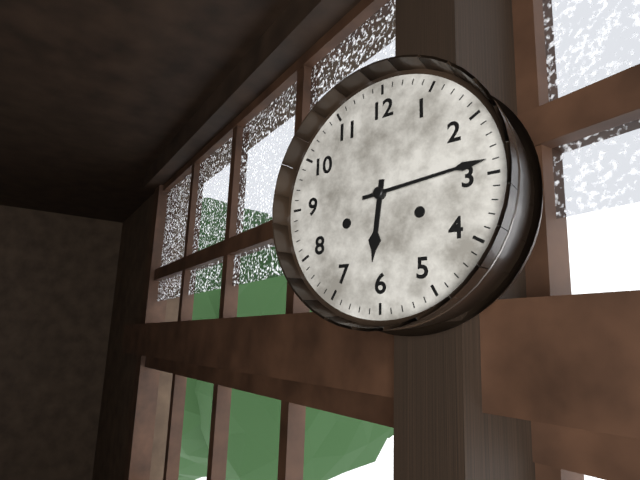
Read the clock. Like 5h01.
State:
6h14
